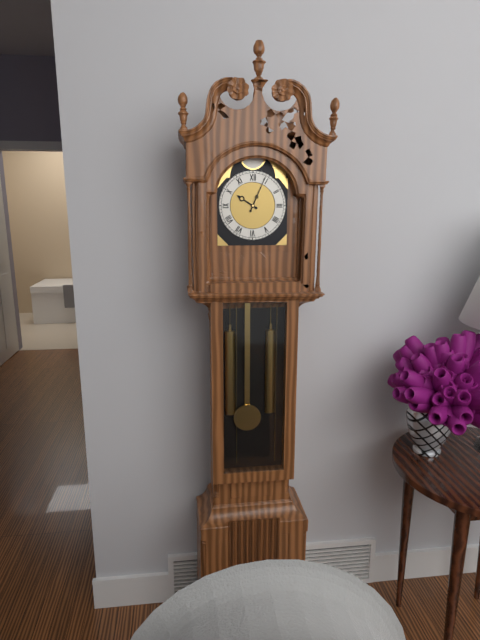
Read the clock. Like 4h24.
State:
10h04
